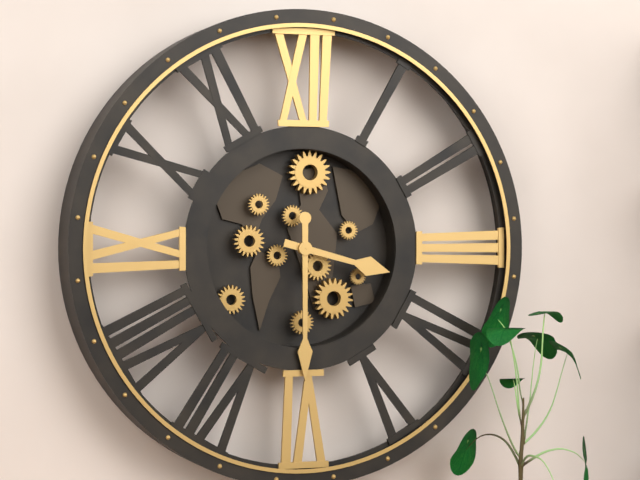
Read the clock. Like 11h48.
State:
3h30
